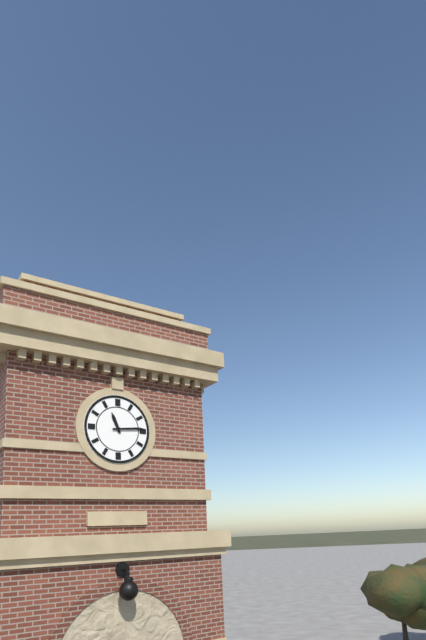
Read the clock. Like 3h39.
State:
11h14
